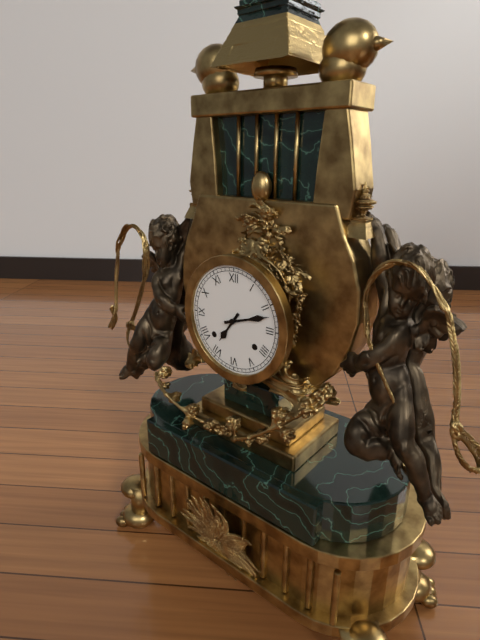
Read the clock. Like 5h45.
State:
7h12
